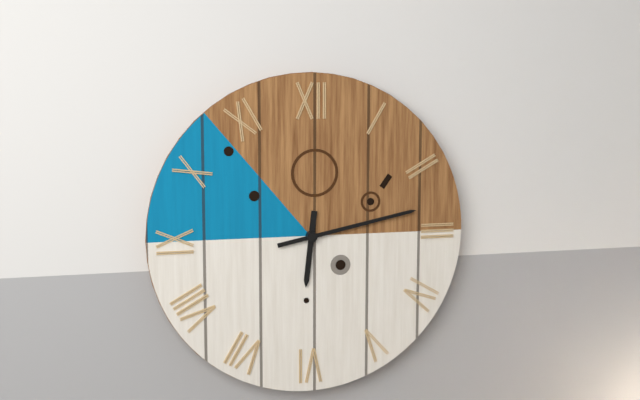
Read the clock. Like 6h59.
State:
6h13
